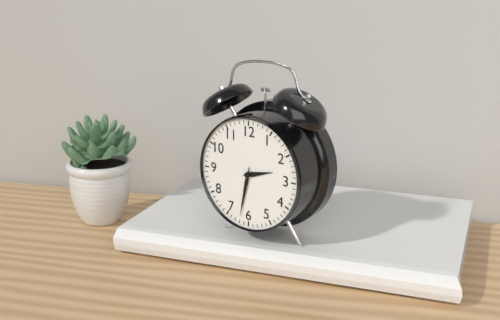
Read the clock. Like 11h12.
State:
2h32
